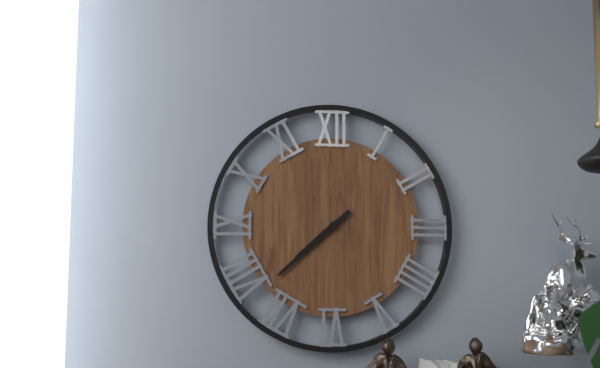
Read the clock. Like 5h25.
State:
7h38
